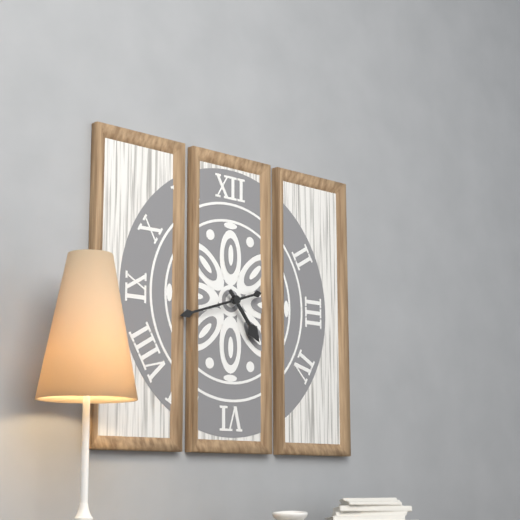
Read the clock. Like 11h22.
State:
4h42
